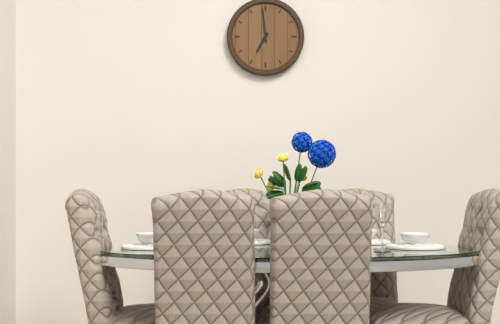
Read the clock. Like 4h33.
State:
6h59
